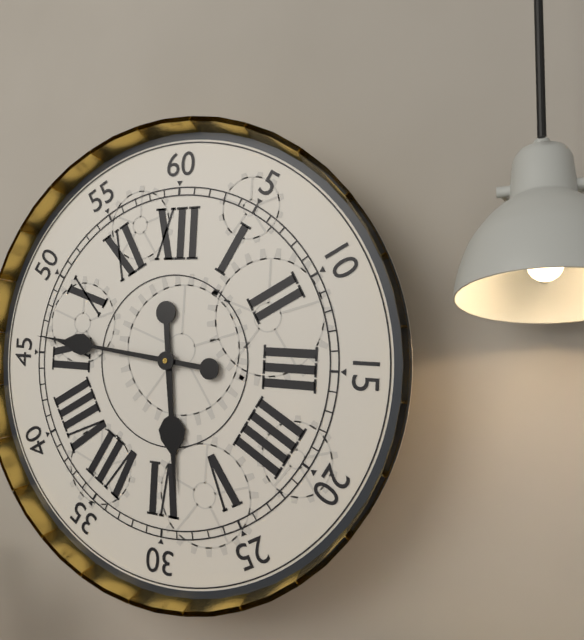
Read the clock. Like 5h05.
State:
5h46
